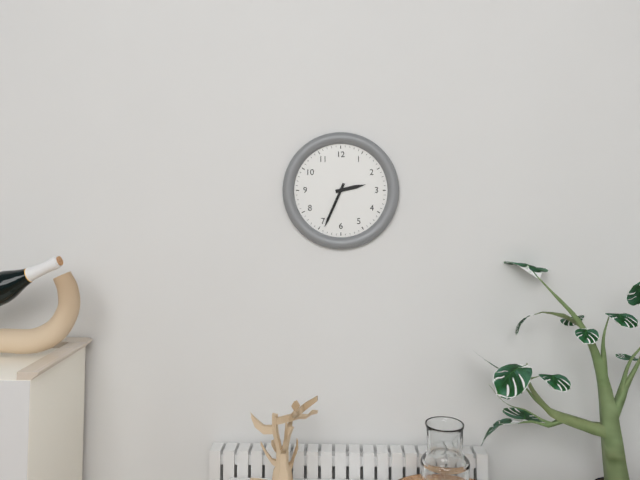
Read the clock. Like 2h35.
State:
2h34
